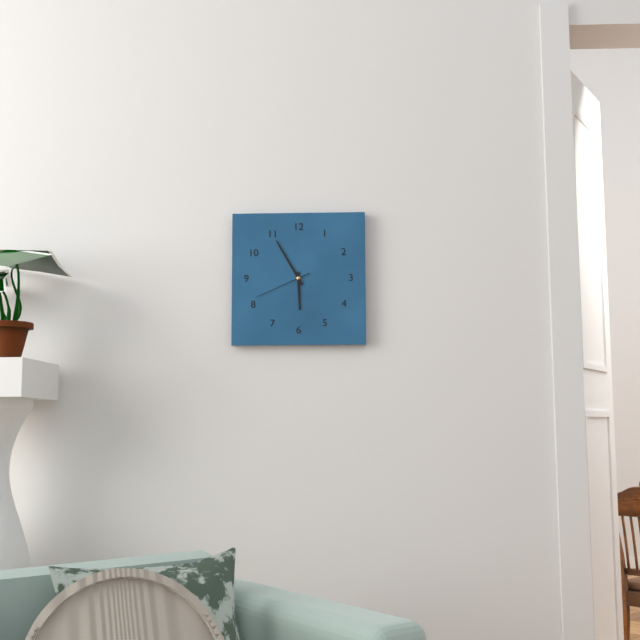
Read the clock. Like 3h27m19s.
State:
5h55m41s
